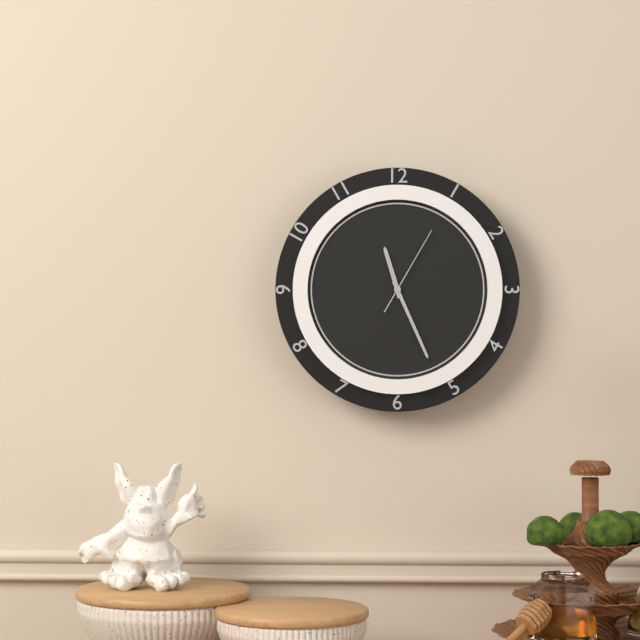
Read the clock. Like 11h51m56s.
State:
11h26m05s
